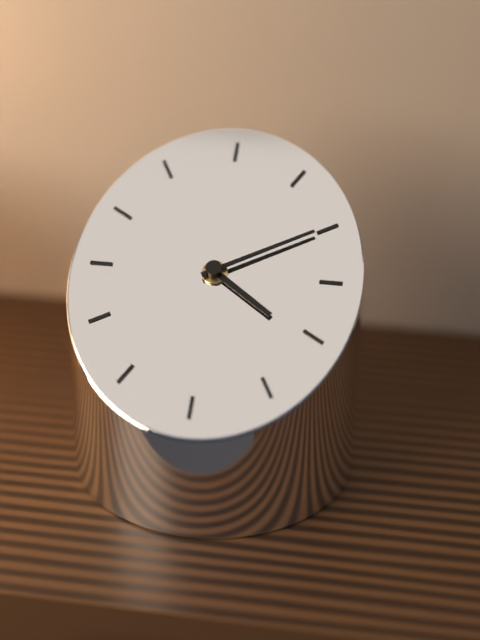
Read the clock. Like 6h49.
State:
4h10
